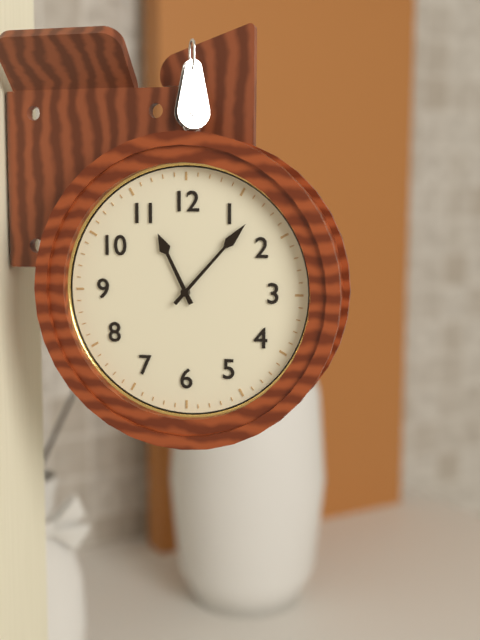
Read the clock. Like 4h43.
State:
11h07
